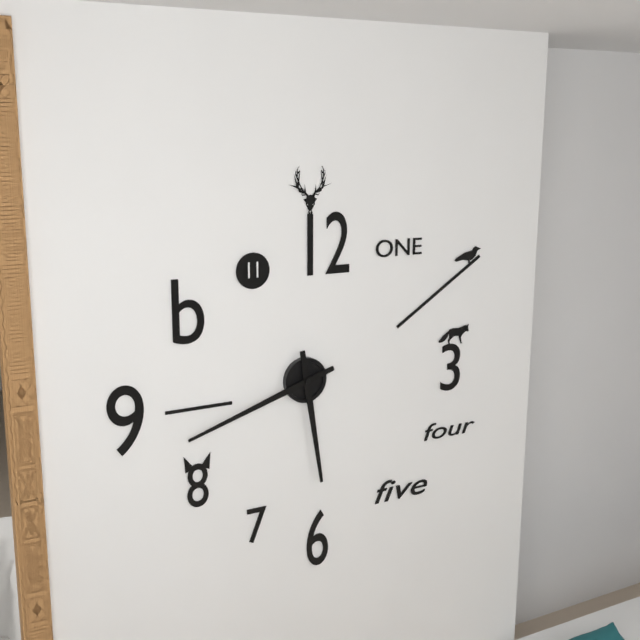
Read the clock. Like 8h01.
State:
5h42
